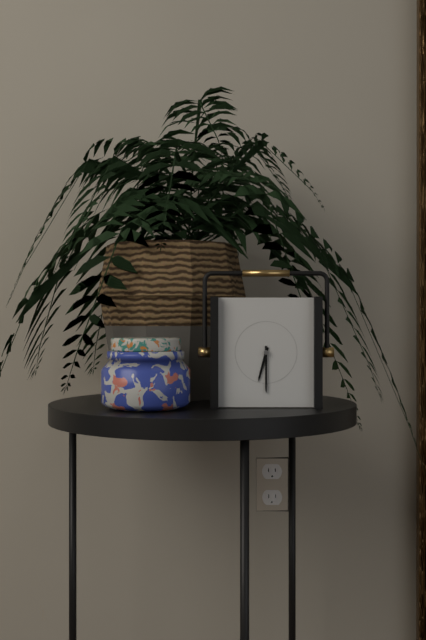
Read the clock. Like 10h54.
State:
6h30
